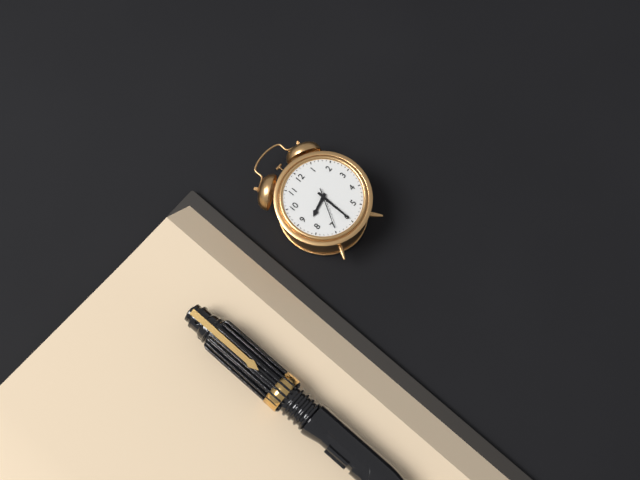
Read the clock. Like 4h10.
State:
8h30
